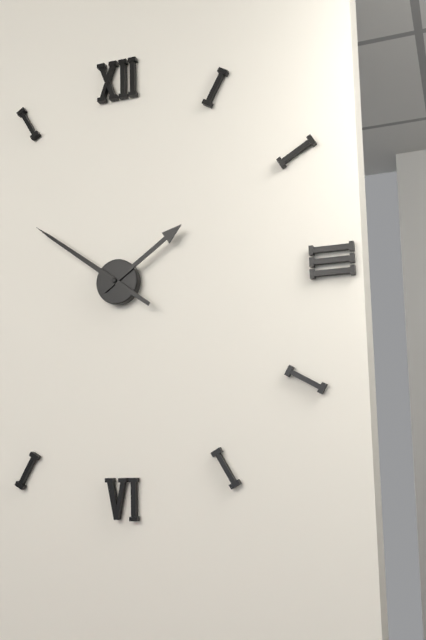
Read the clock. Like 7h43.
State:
1h51
